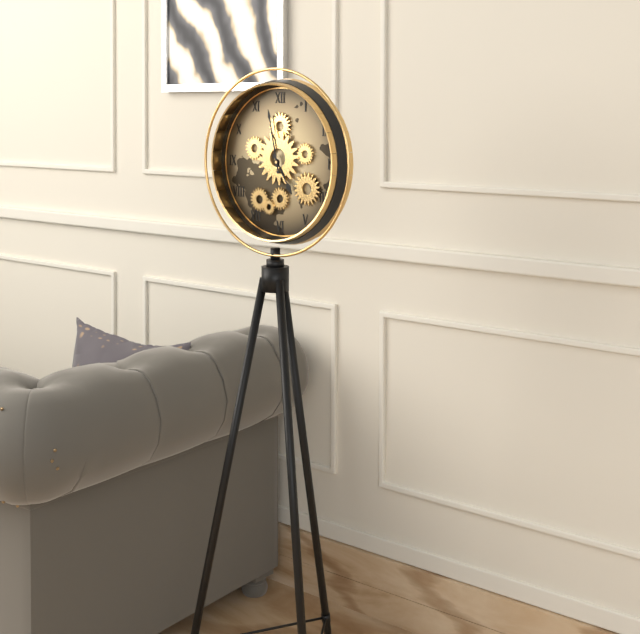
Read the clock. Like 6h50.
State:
4h58
